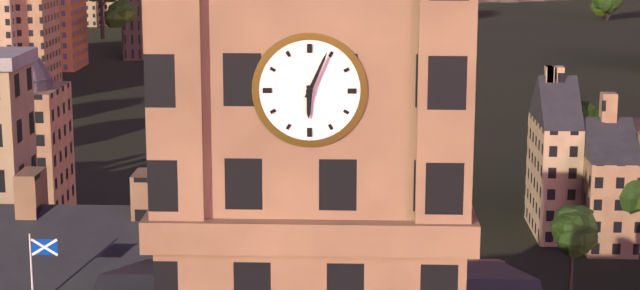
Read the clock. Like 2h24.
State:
6h04
